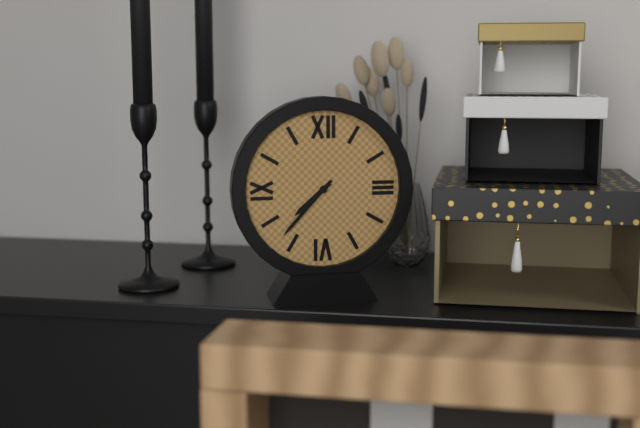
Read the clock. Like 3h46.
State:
7h37
